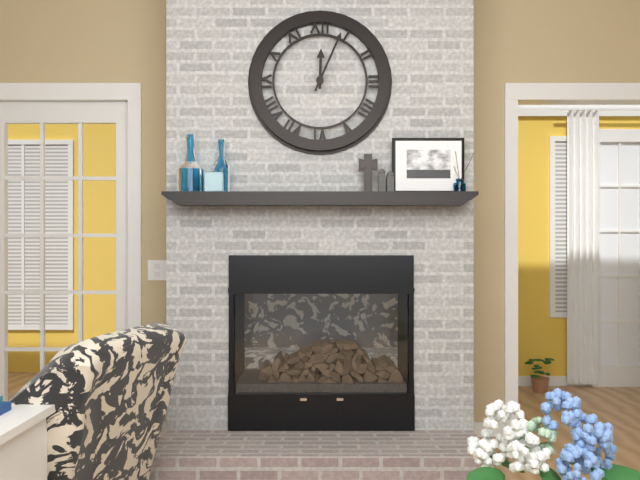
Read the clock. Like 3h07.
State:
12h04
